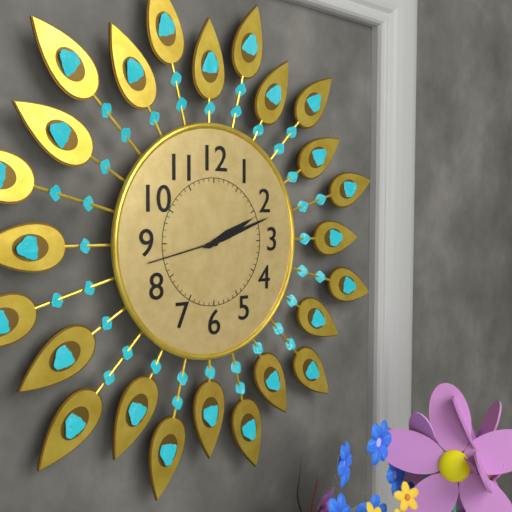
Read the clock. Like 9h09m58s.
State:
2h12m43s
